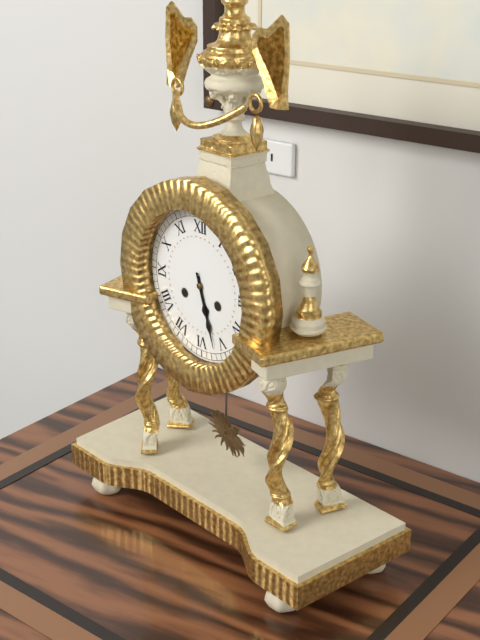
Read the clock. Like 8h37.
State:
5h27
